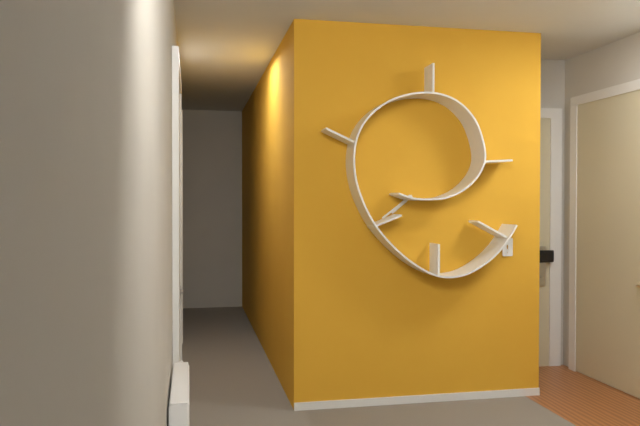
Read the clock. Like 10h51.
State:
7h39
